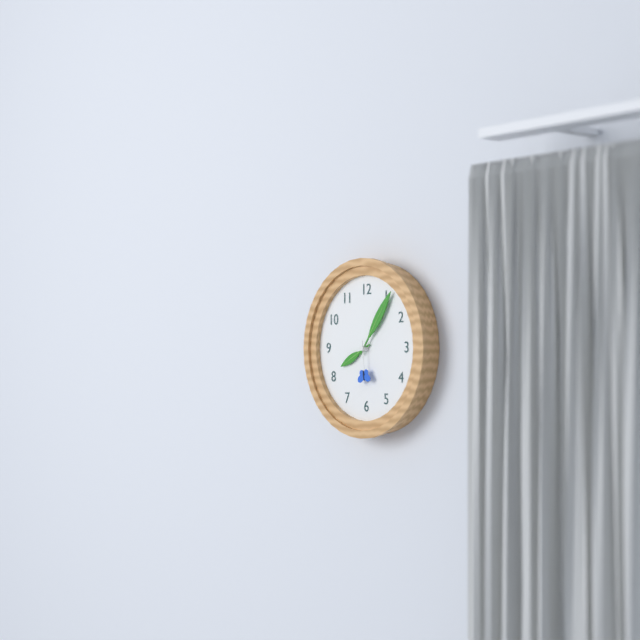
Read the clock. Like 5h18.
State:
8h06
